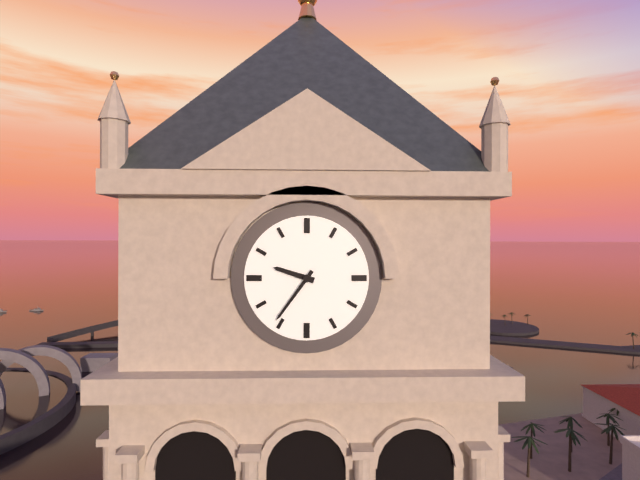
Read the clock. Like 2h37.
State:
9h36
